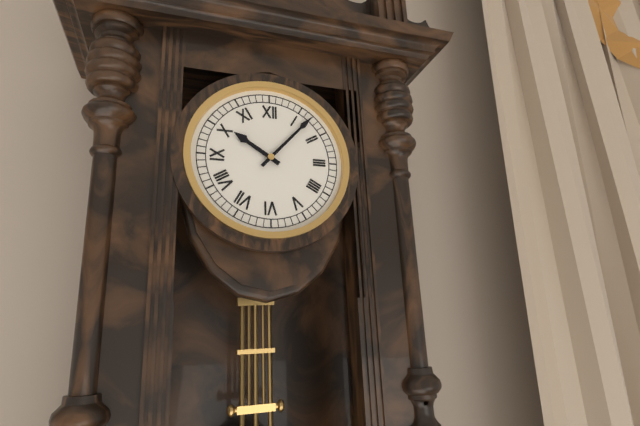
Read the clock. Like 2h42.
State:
10h07
